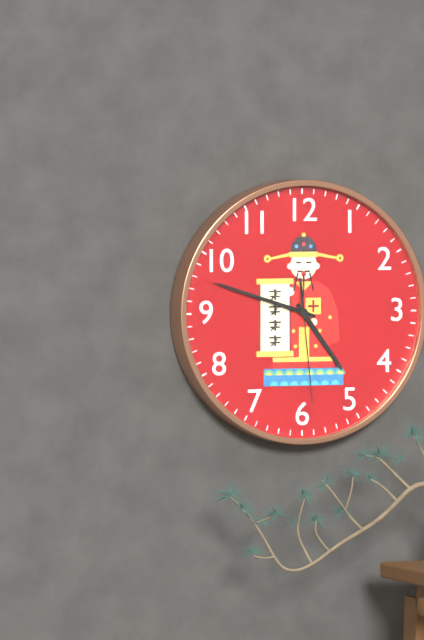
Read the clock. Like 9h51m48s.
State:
4h48m29s
